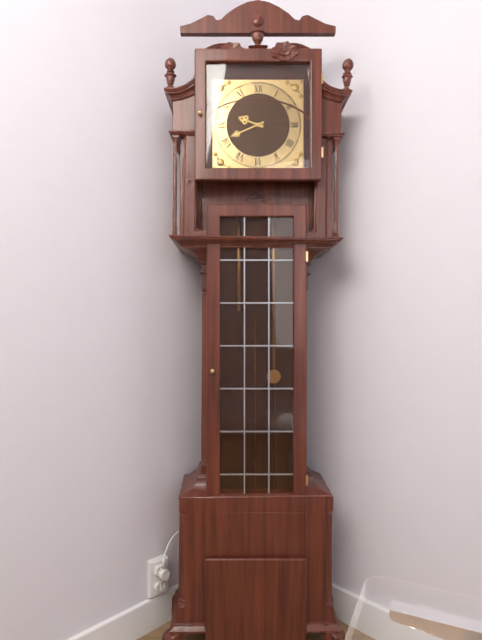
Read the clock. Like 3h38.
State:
9h41
